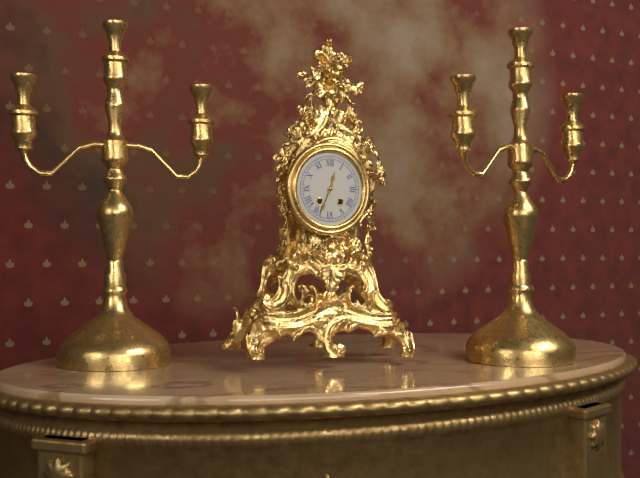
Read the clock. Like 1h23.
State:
12h34
